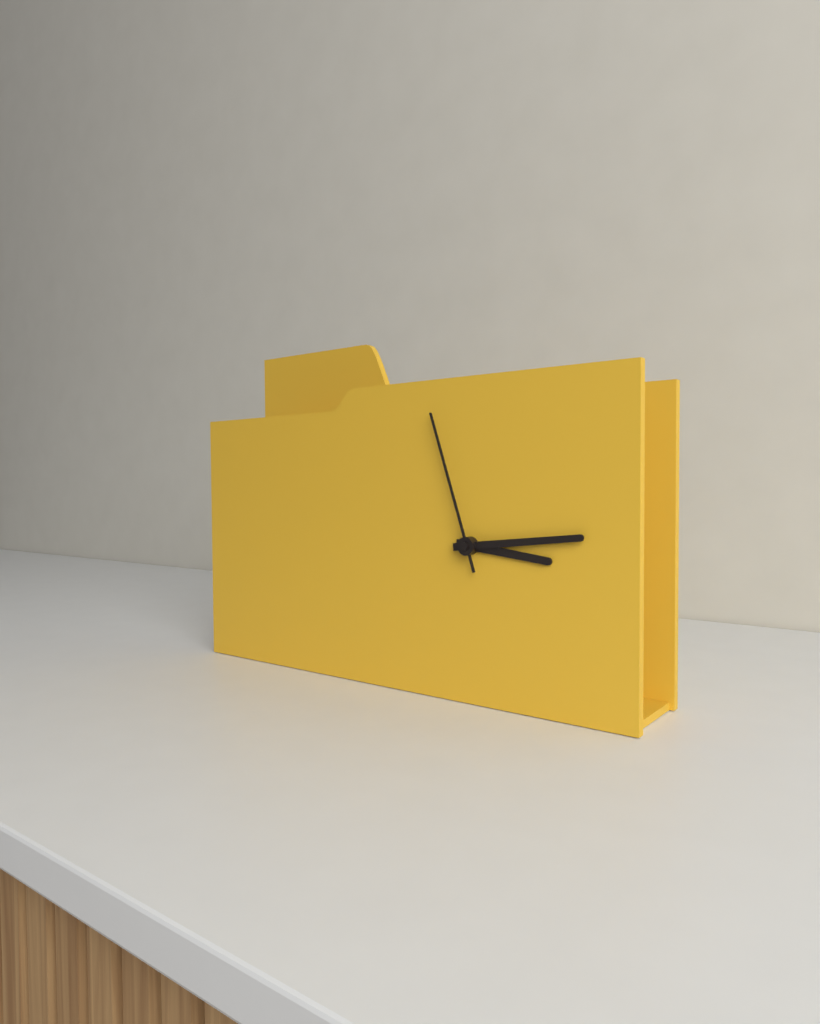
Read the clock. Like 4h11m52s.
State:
3h14m57s
